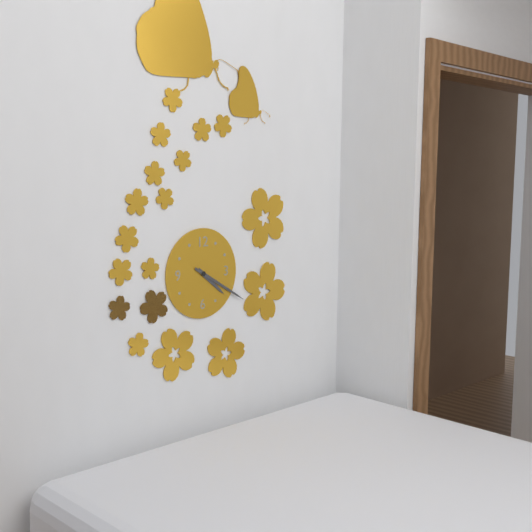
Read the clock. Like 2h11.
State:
4h20
